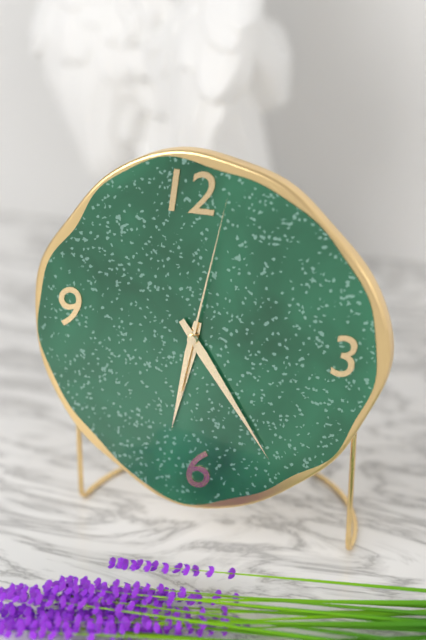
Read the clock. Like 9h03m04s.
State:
6h24m02s
